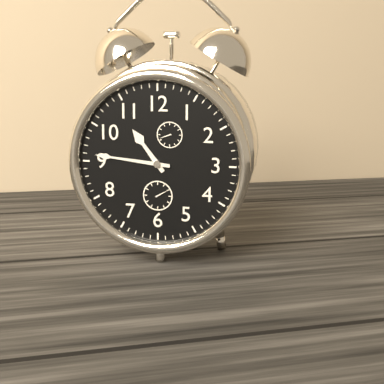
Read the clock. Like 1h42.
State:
10h46
